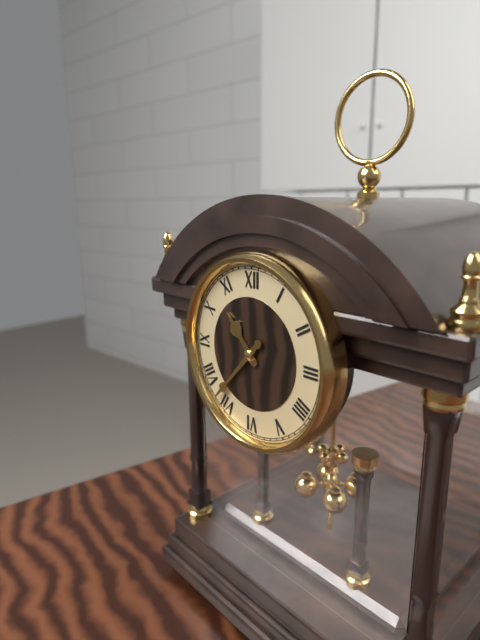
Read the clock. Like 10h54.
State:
10h37
